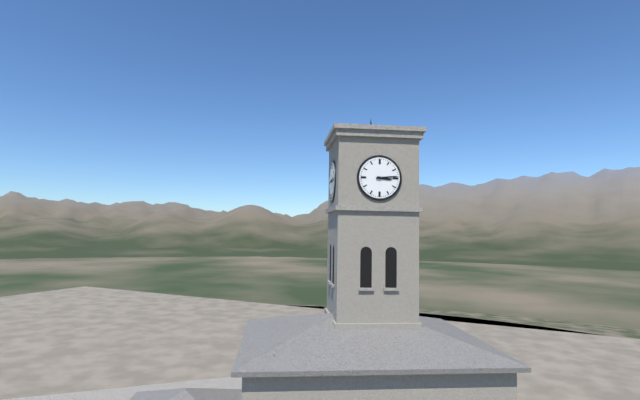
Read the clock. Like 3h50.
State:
3h14
